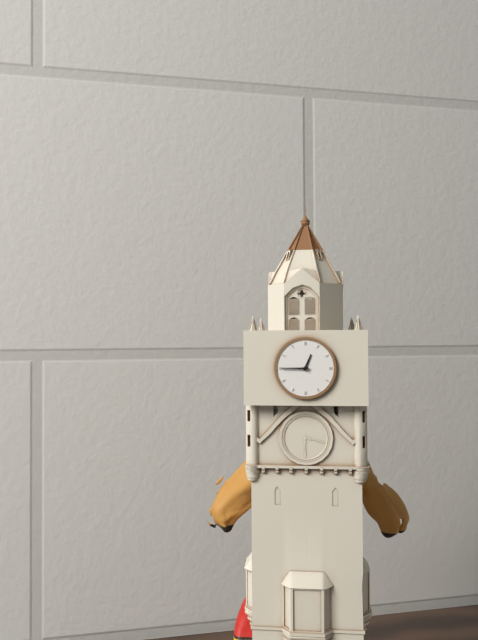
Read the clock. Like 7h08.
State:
12h45
